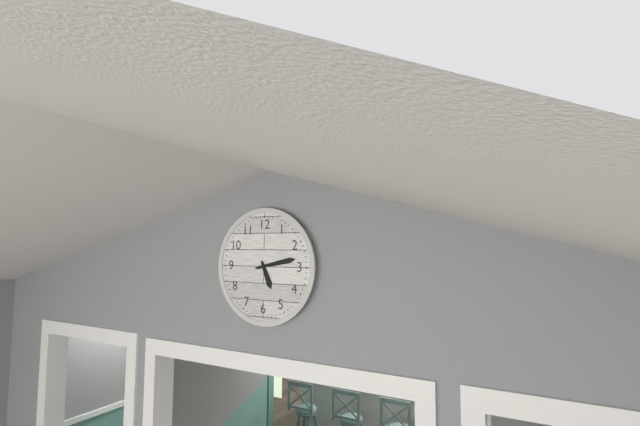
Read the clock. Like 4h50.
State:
5h13
